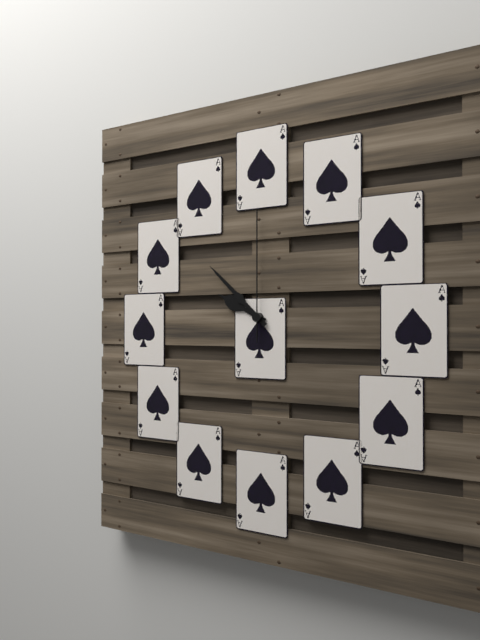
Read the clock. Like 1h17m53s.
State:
9h52m00s
